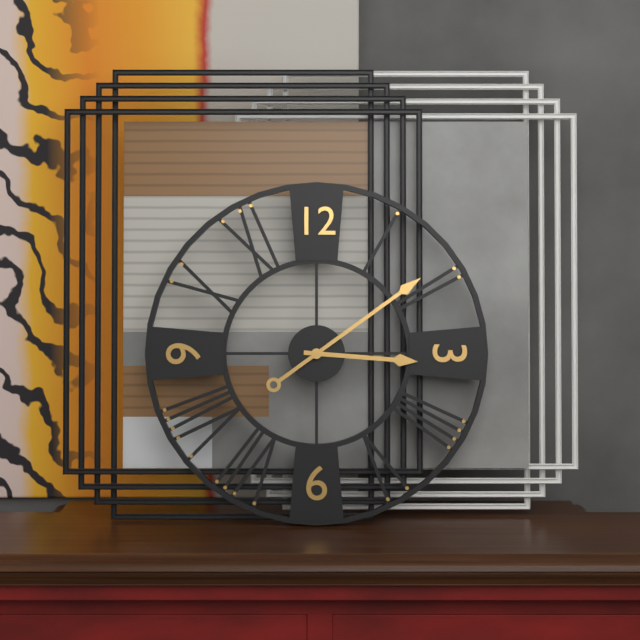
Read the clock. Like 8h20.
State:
3h09
